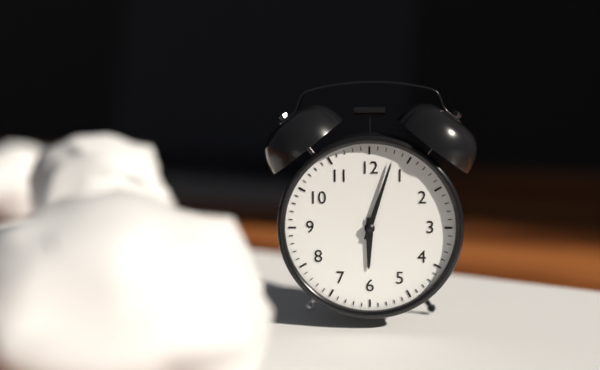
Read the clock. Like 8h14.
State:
6h03
